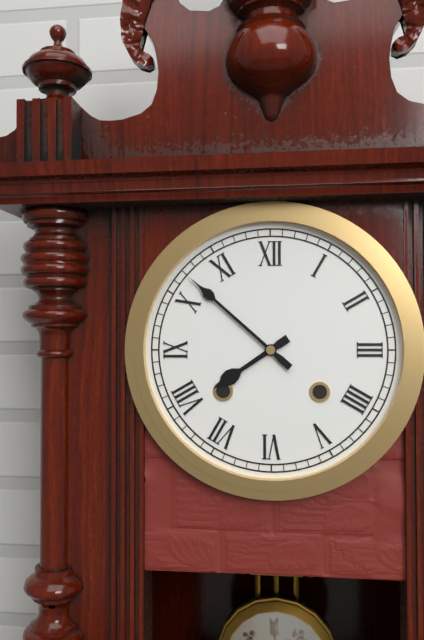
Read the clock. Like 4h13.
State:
7h52
